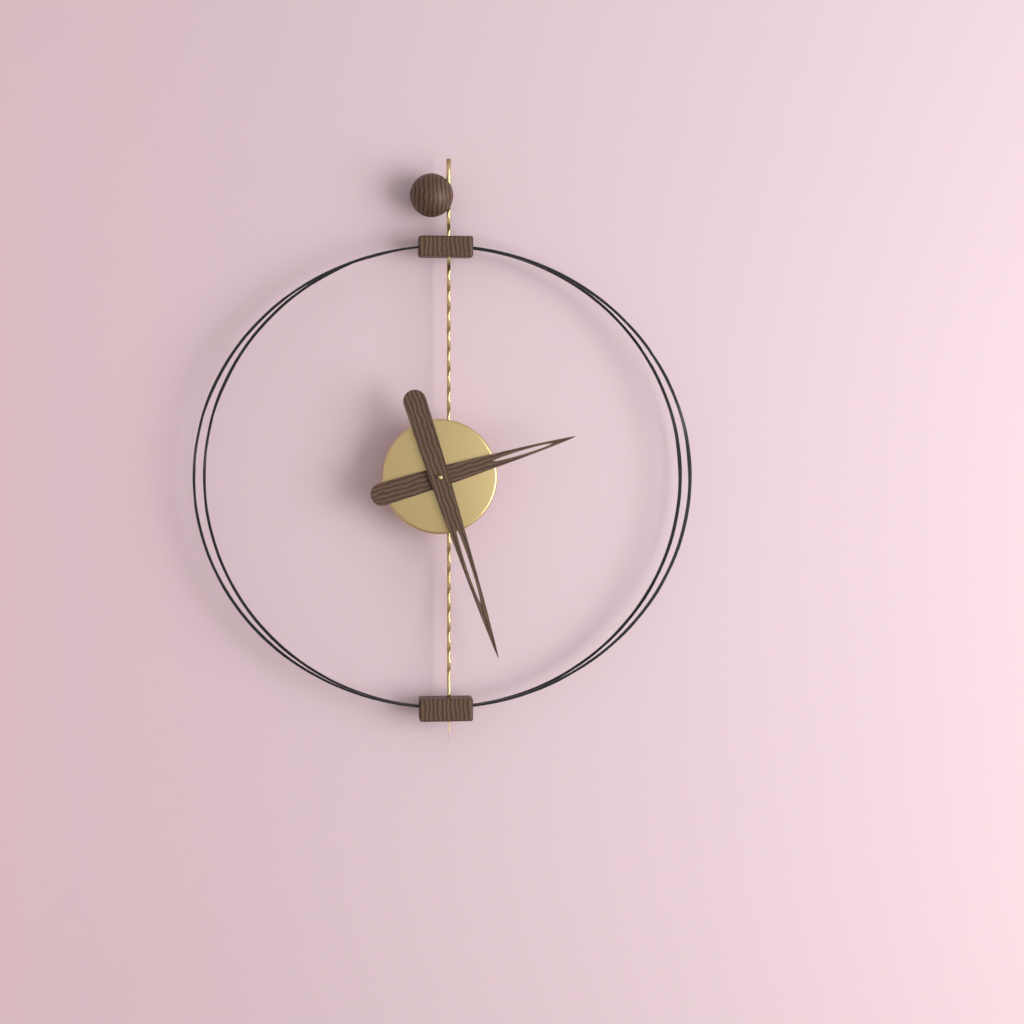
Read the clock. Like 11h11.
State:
2h27
